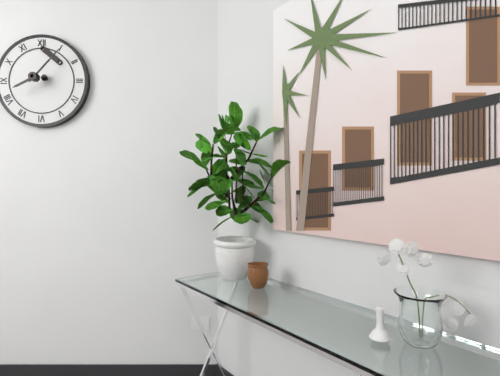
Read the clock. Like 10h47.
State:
8h07
